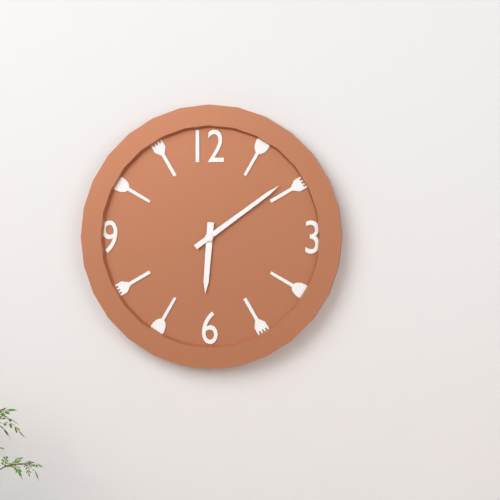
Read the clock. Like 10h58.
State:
6h09
